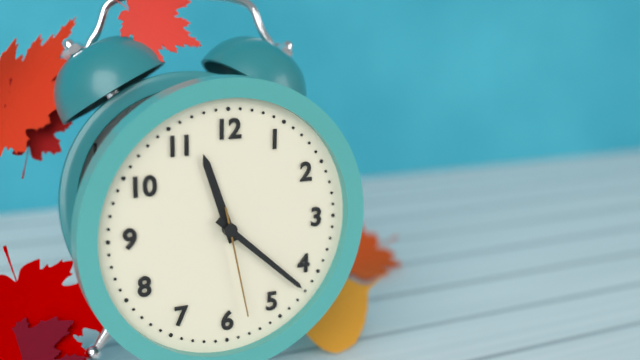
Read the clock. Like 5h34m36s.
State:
11h22m28s
